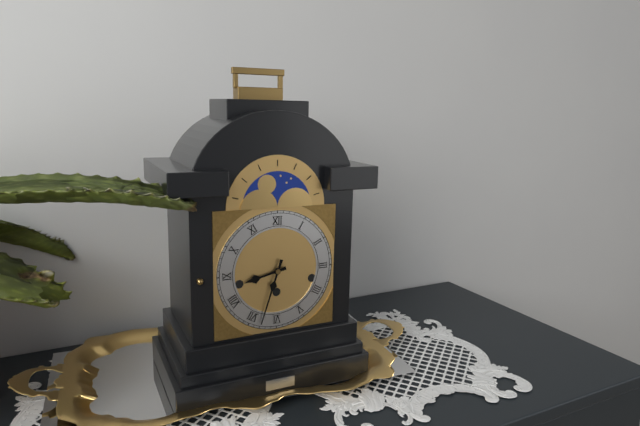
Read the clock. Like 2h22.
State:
8h33
